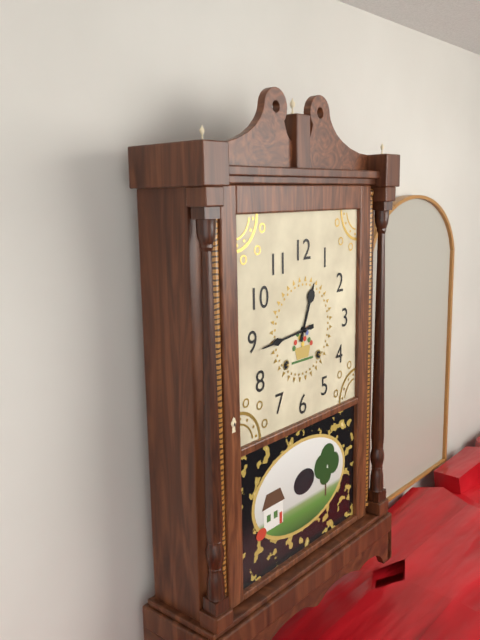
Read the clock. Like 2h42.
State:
12h44
